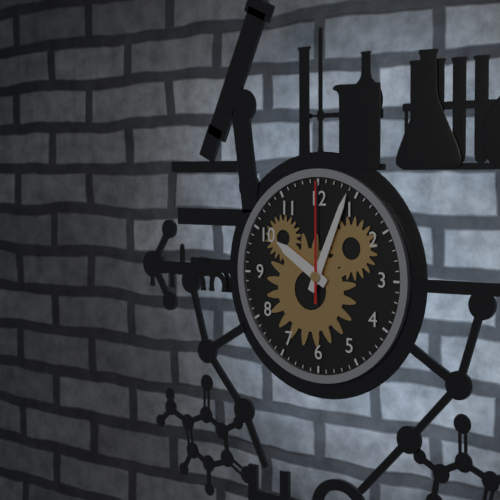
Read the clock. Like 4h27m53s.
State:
10h04m00s
